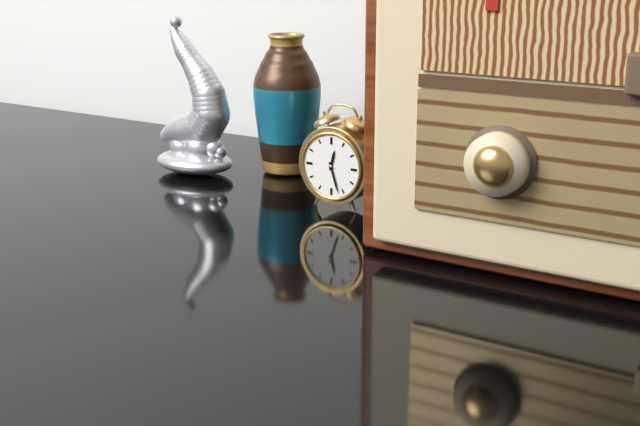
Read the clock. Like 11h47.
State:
12h27
